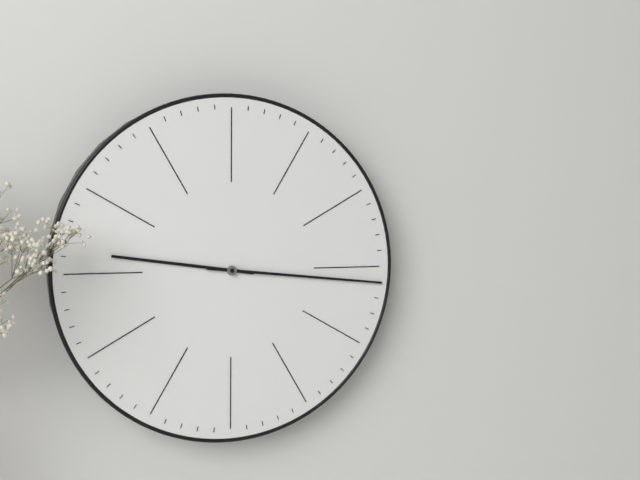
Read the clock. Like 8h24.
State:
9h16
